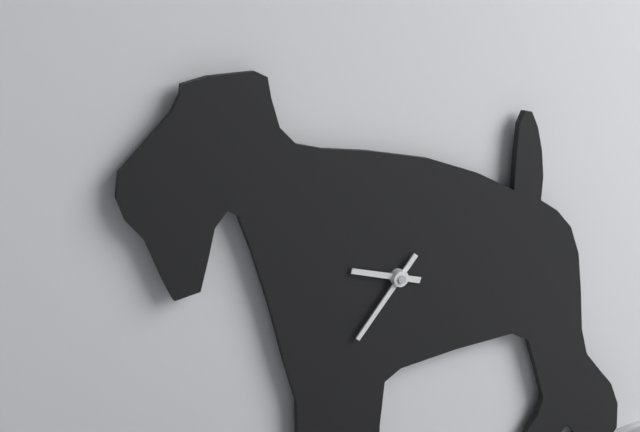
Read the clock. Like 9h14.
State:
9h37
